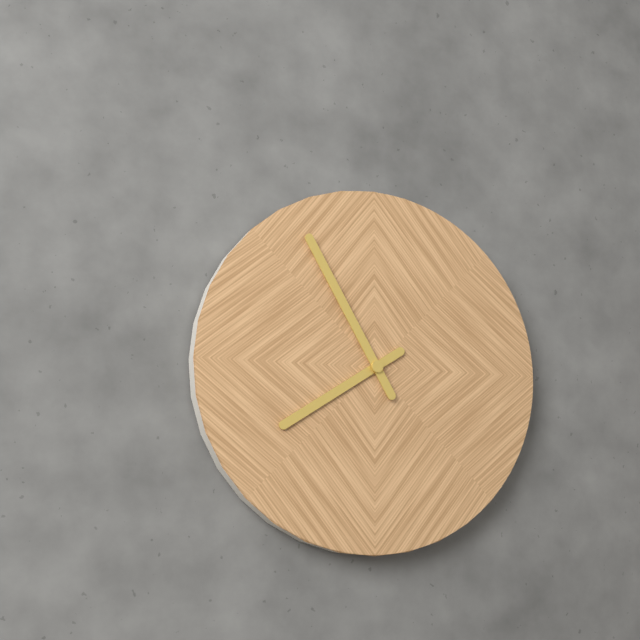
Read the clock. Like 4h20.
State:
7h55
